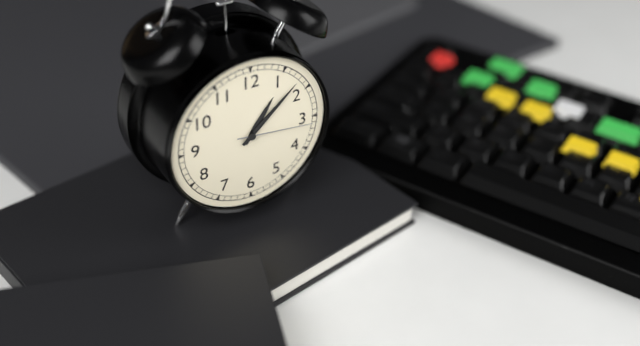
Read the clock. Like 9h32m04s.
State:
1h08m16s
